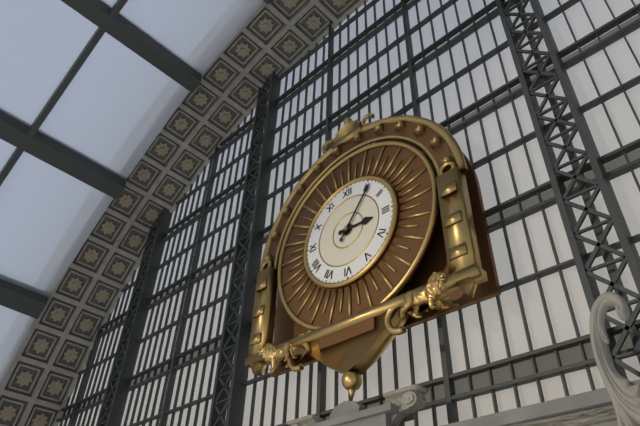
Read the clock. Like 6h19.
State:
3h06
